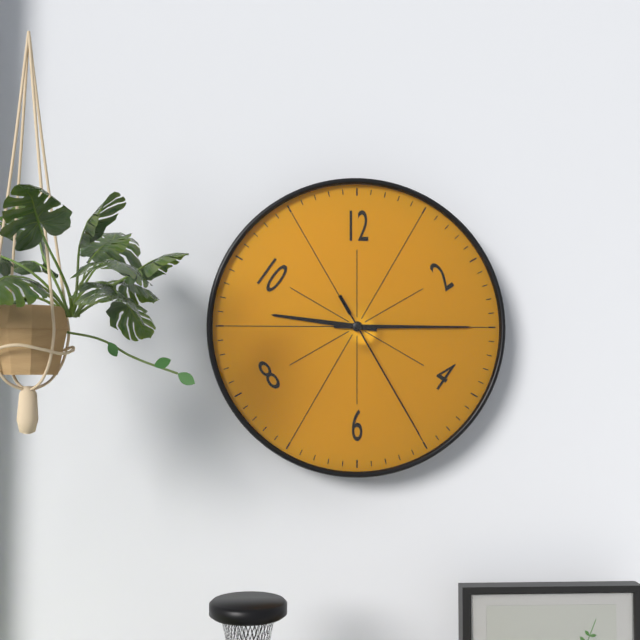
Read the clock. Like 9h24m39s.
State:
9h15m25s
